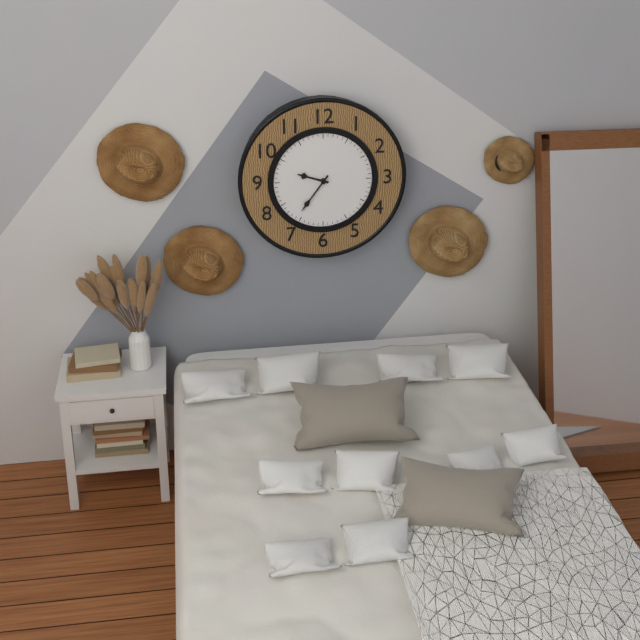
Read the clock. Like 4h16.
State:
9h36
